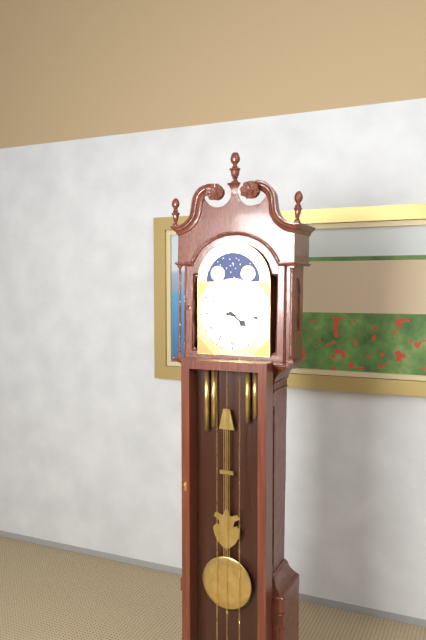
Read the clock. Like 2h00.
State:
4h16
